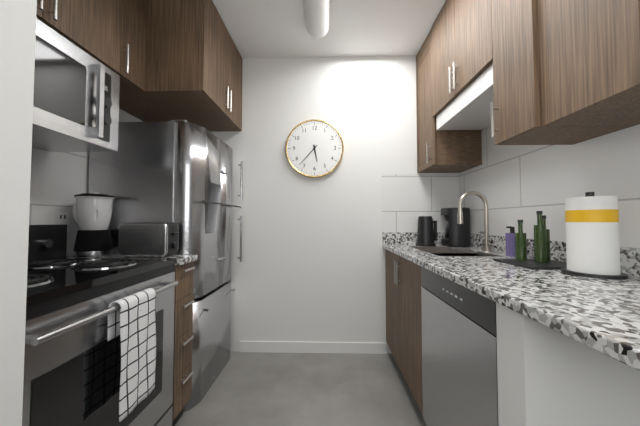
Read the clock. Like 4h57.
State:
5h37
